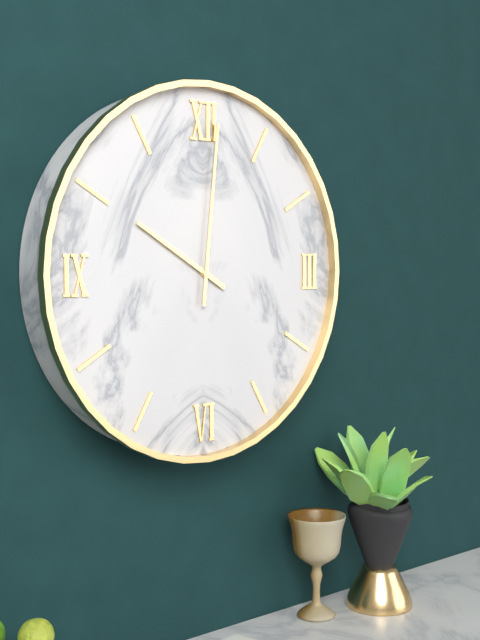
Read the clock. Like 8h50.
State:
10h01
